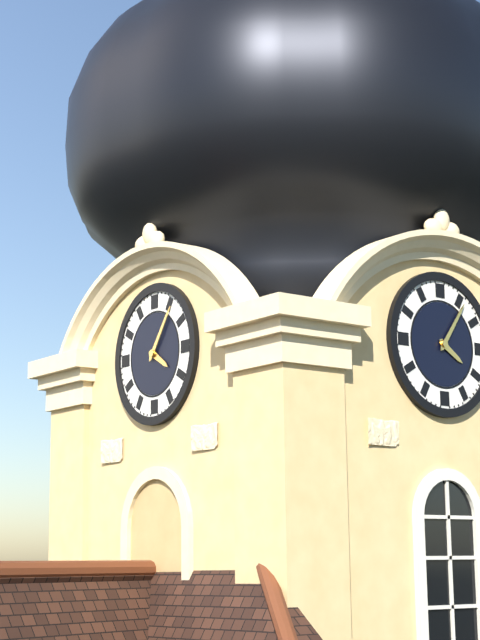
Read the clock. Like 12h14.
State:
4h06
